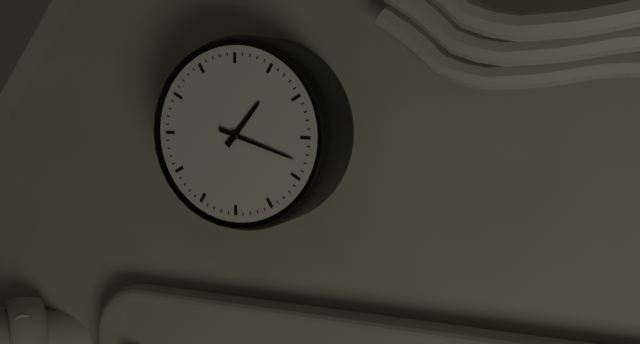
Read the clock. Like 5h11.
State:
1h18
